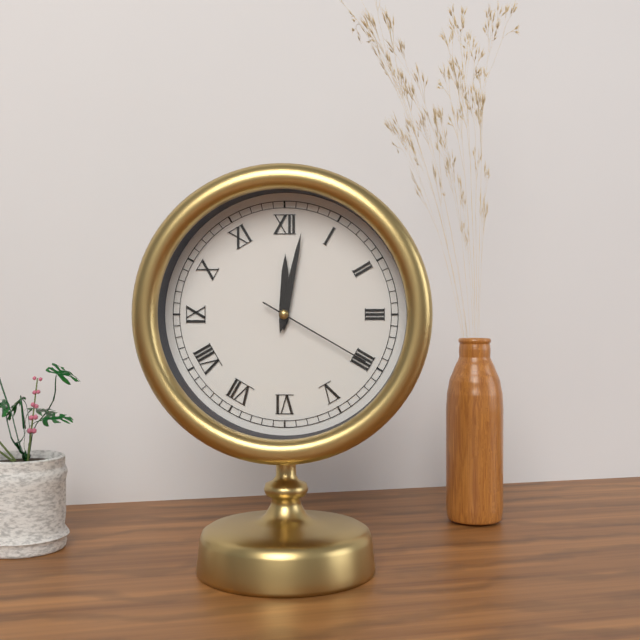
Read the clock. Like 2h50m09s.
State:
12h02m20s
